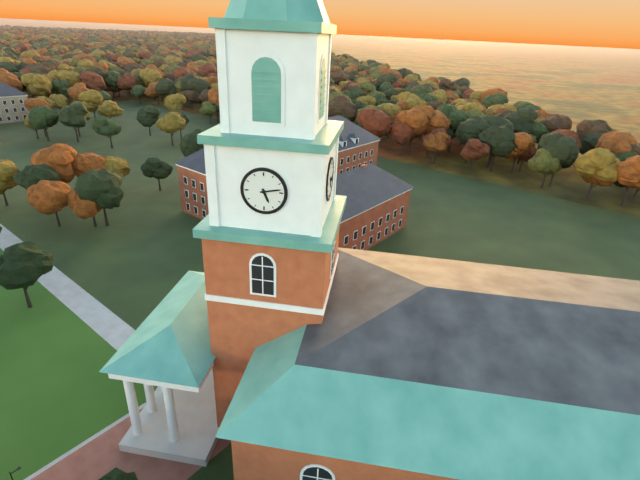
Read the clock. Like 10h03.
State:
5h13
